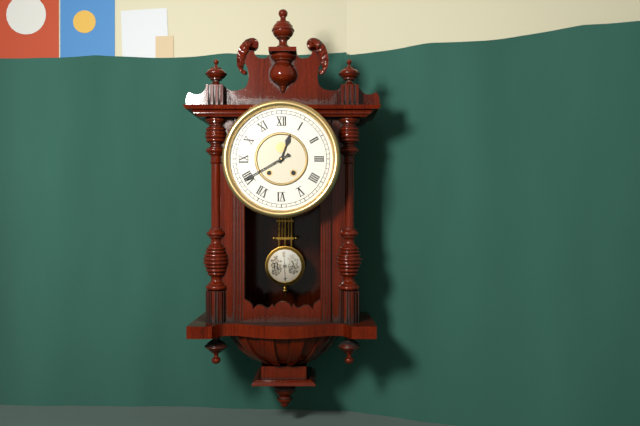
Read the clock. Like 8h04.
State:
12h40
